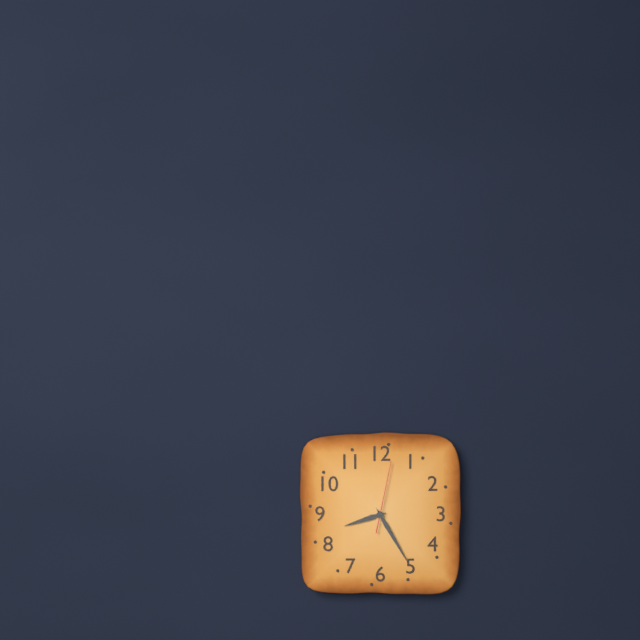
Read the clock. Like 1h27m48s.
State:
8h25m02s
